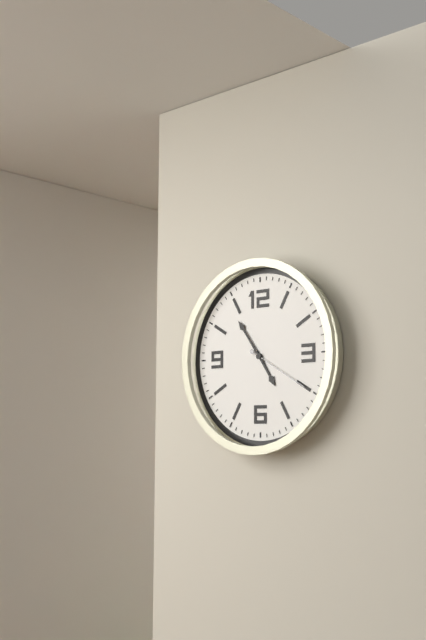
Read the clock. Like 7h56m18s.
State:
4h54m20s
